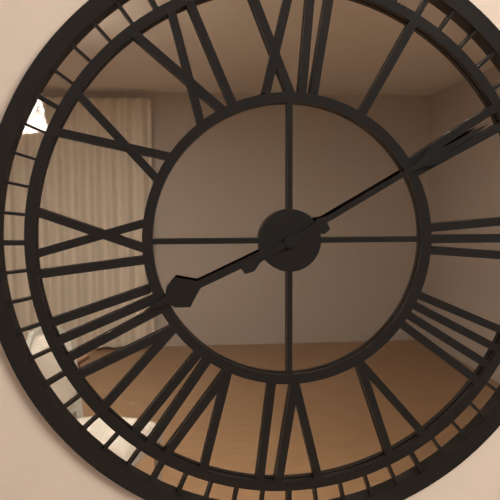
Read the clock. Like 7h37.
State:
8h10
